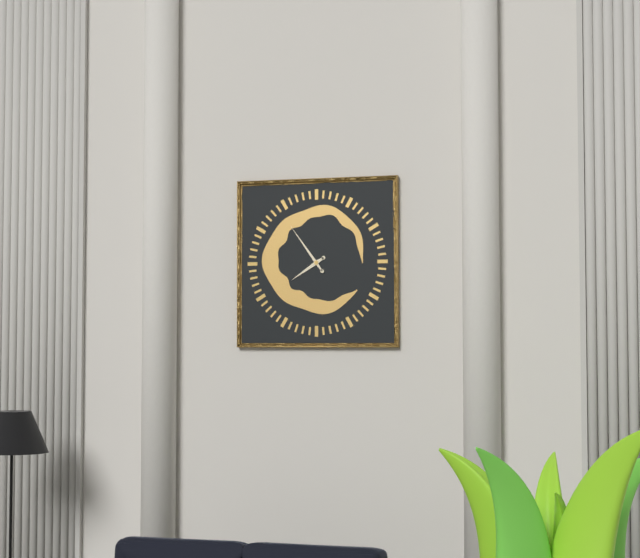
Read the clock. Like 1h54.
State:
7h54
